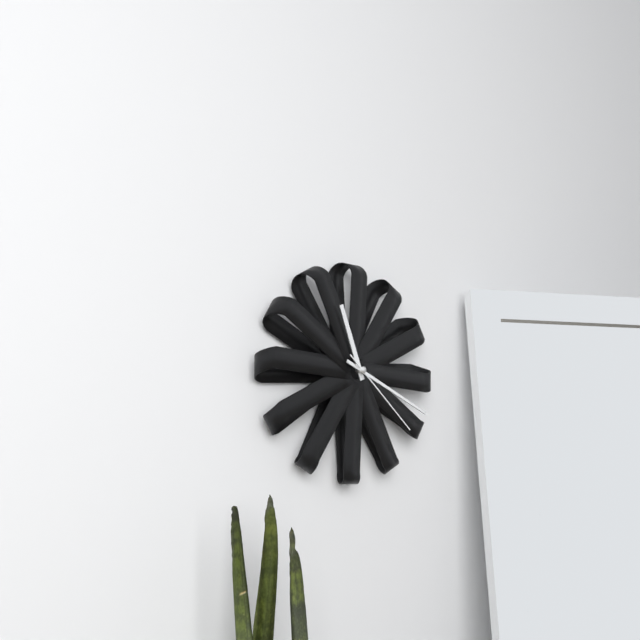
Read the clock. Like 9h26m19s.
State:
11h19m22s
